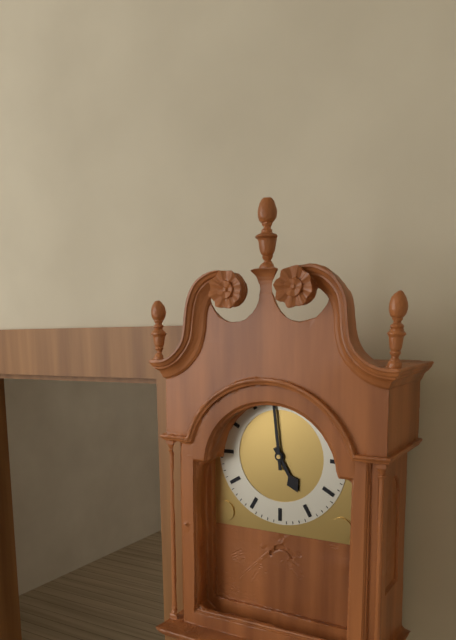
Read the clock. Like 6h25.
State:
4h59
